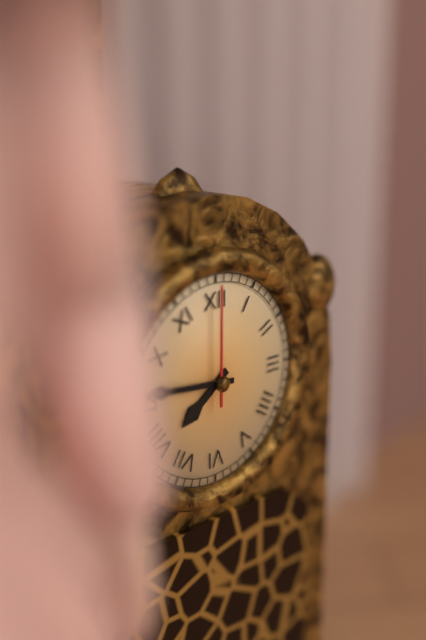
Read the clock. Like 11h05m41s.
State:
7h46m00s
